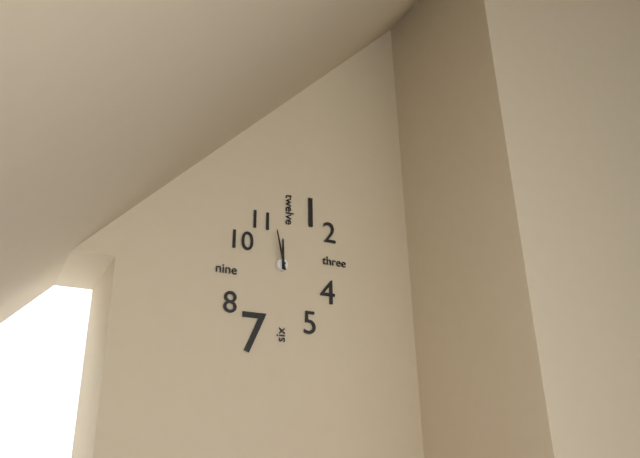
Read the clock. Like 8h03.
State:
11h58
